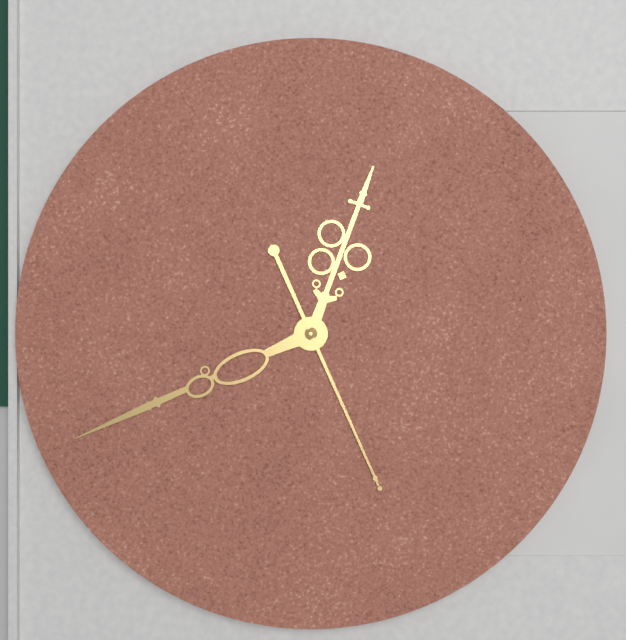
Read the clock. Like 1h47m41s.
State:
12h41m26s
